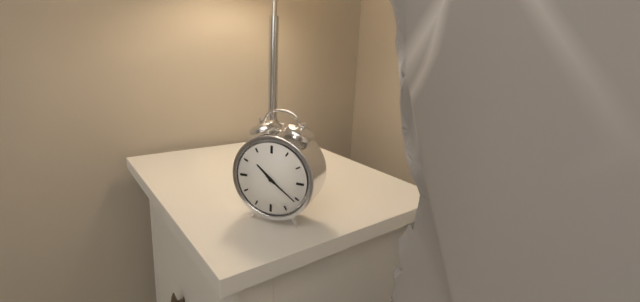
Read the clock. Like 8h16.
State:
10h21
